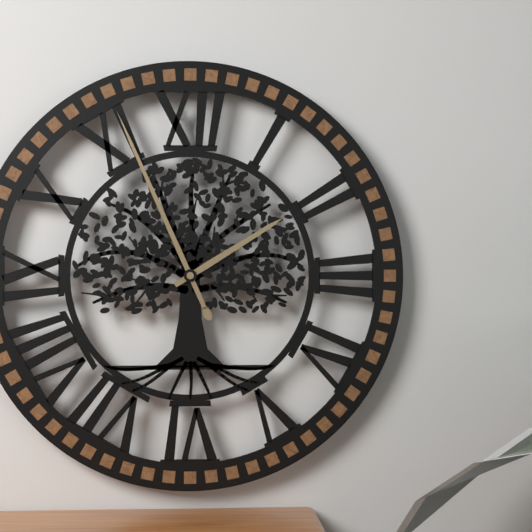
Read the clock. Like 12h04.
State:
1h56
